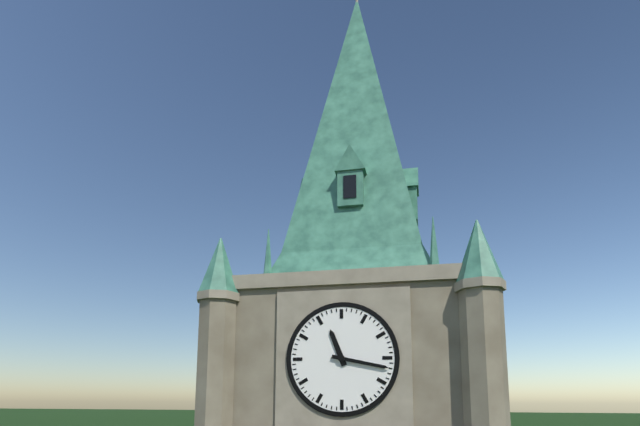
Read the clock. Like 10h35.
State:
11h17
